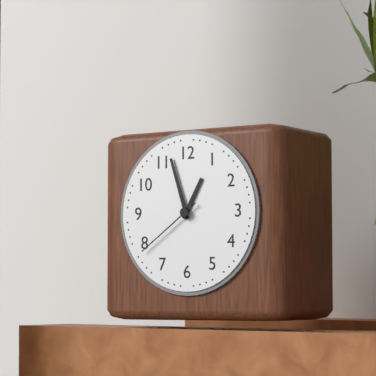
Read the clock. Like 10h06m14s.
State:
12h57m39s
